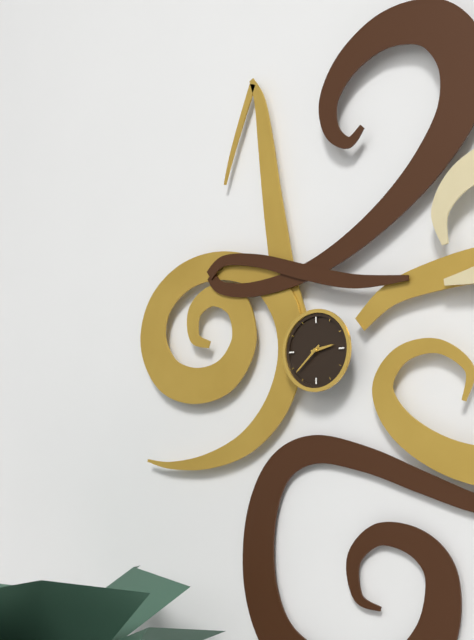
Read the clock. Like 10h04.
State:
2h38
